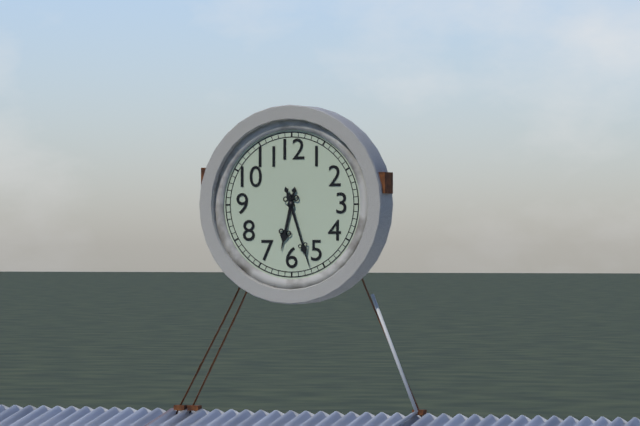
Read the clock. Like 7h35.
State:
6h27
